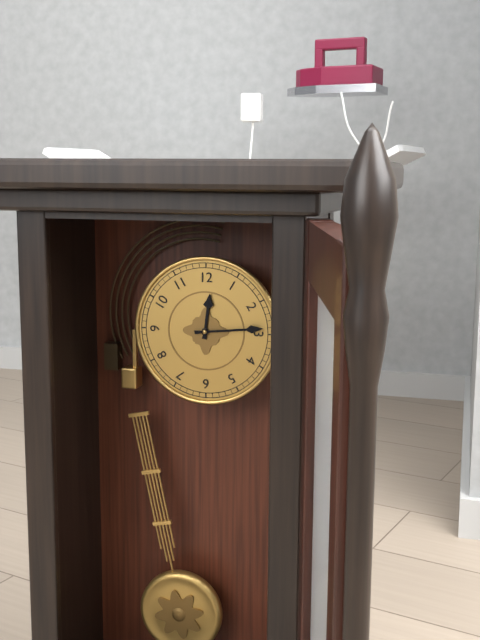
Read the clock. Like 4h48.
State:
12h14
